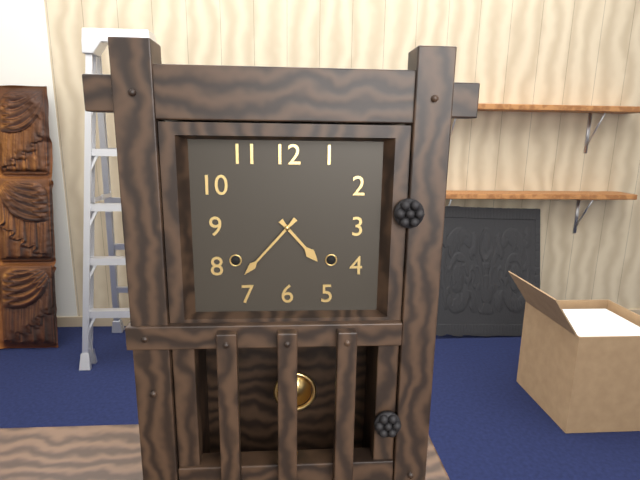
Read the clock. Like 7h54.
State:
4h37
